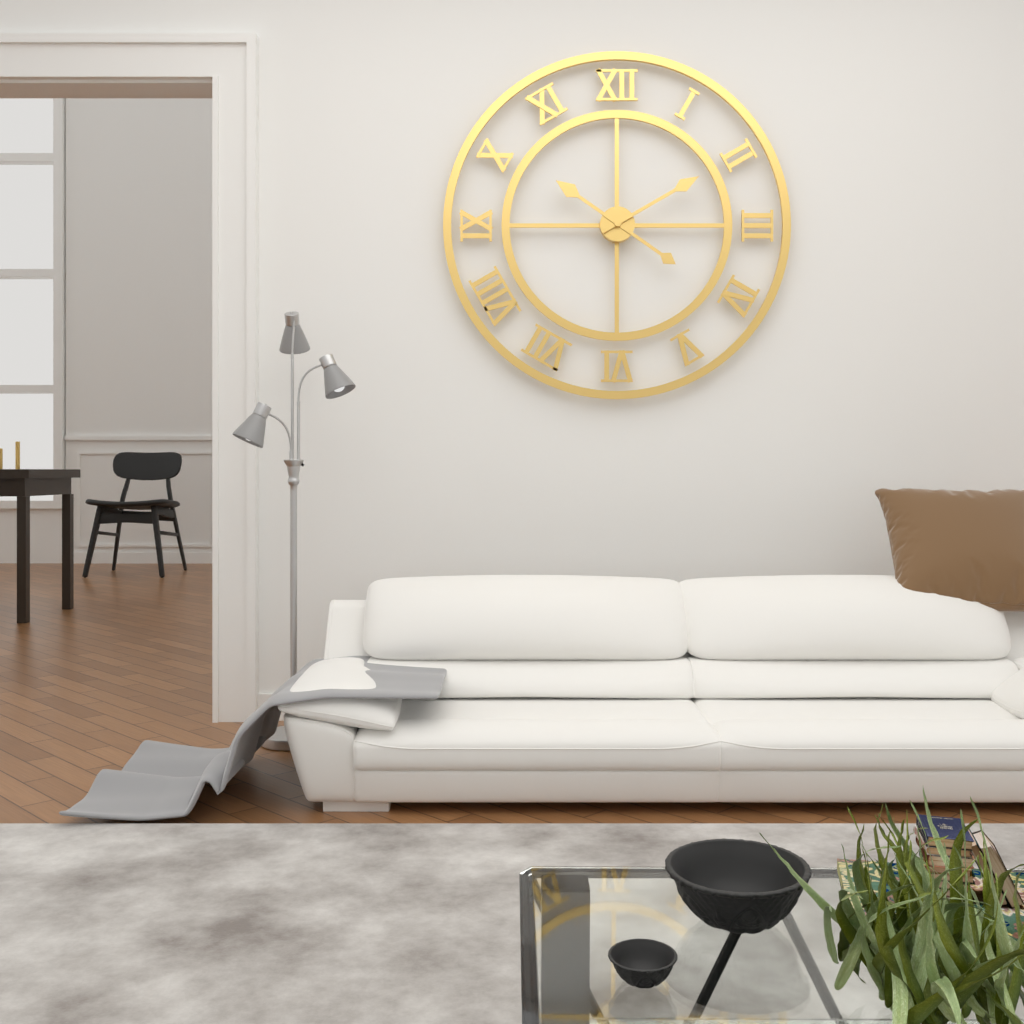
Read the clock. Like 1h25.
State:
10h10
